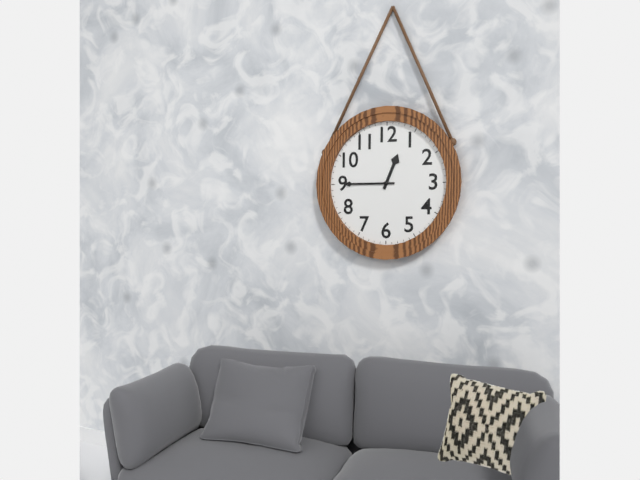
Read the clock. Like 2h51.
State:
12h45
